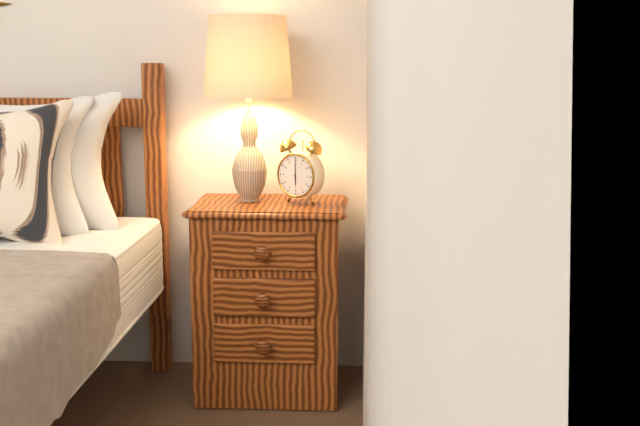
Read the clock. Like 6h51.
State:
6h00
